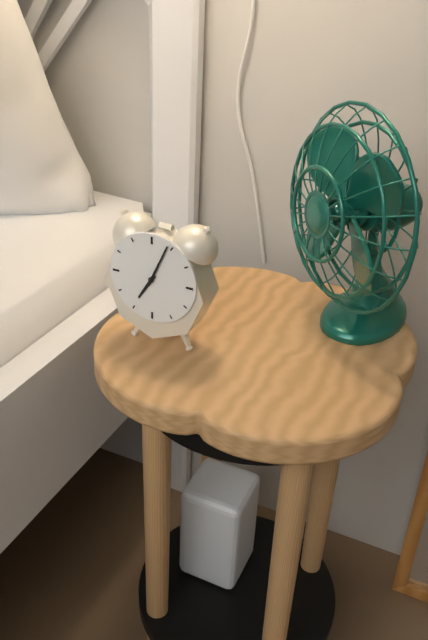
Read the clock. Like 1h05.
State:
7h04
